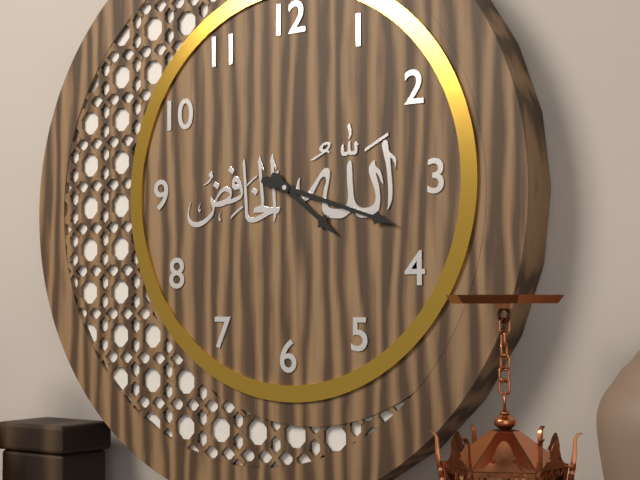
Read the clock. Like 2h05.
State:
4h18
